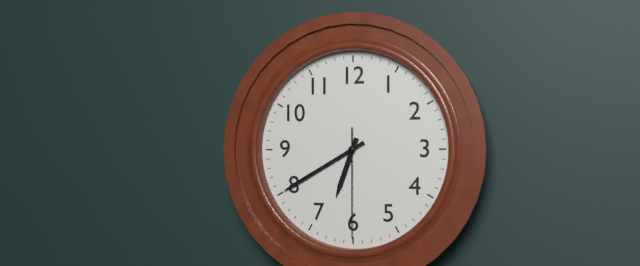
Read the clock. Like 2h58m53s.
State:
6h40m30s
